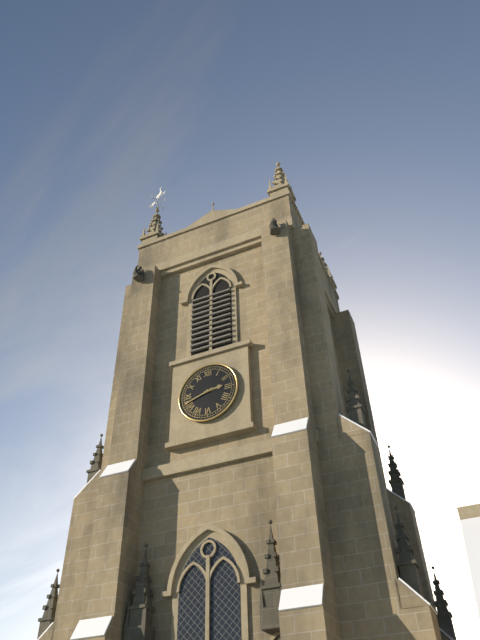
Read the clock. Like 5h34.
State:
2h42
